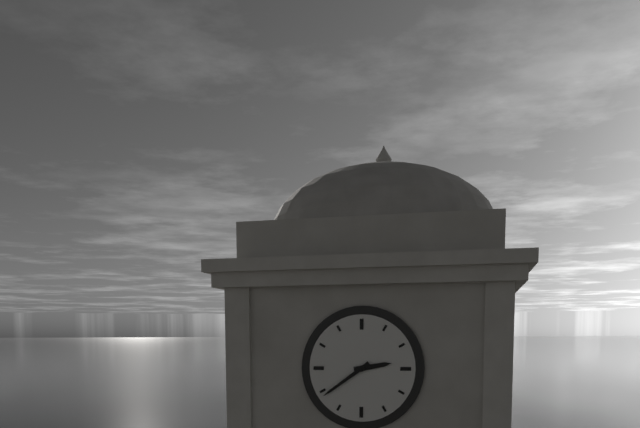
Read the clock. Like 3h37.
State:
2h39
